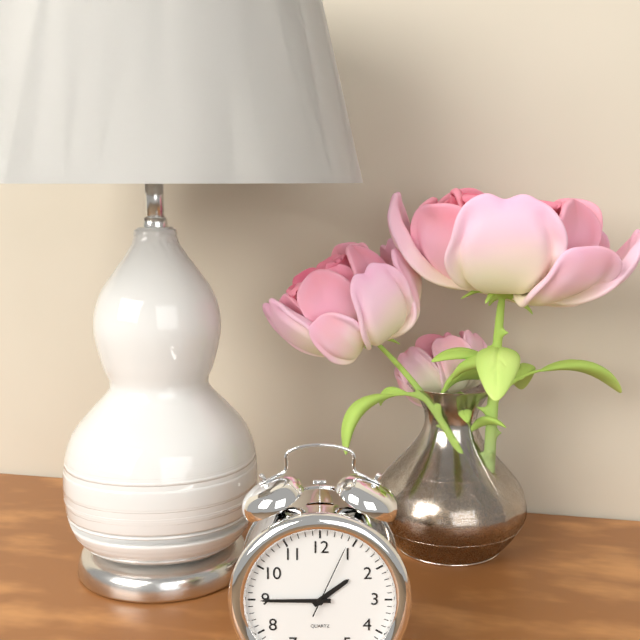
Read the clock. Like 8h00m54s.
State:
1h45m04s
